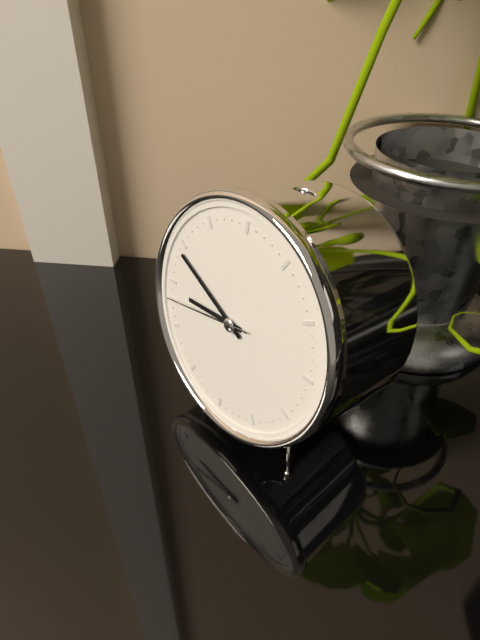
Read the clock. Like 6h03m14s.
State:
8h49m43s
